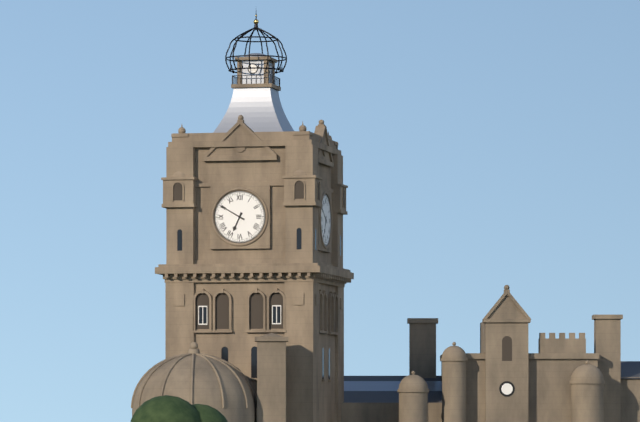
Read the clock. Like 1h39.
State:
6h50
